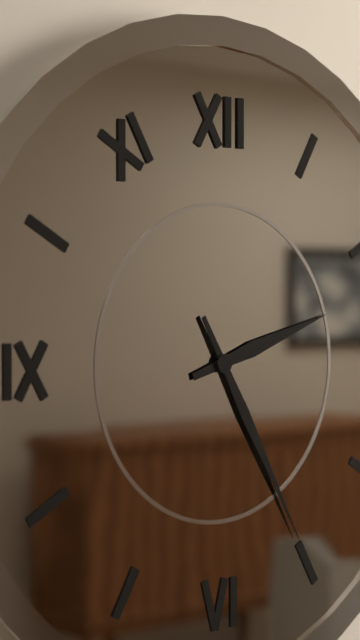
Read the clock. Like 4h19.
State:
2h25
